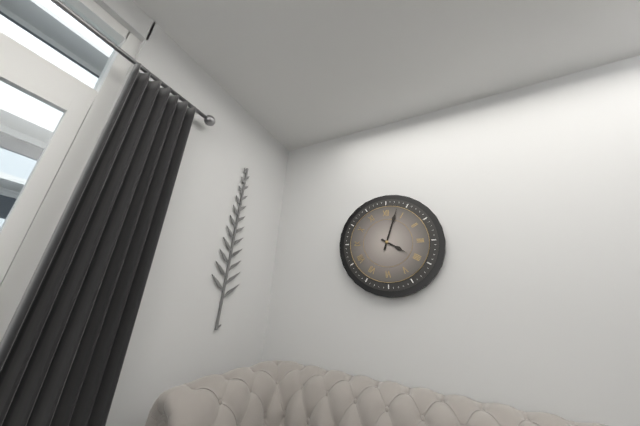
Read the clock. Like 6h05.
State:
4h03
